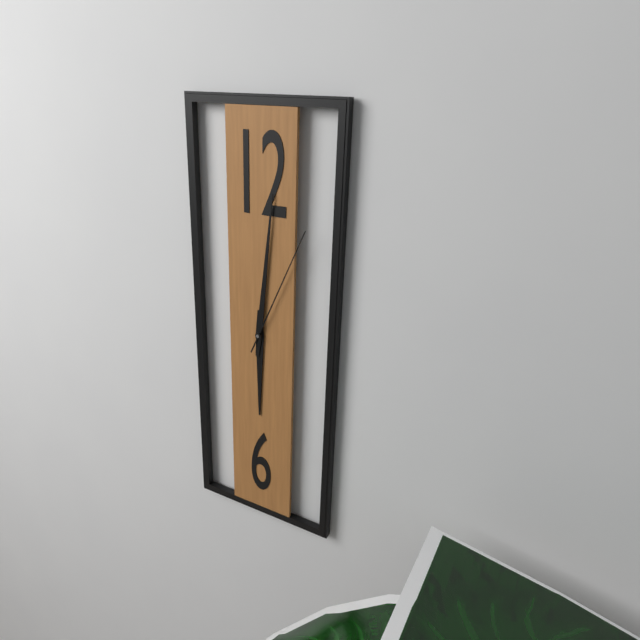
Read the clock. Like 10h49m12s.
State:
6h01m04s
